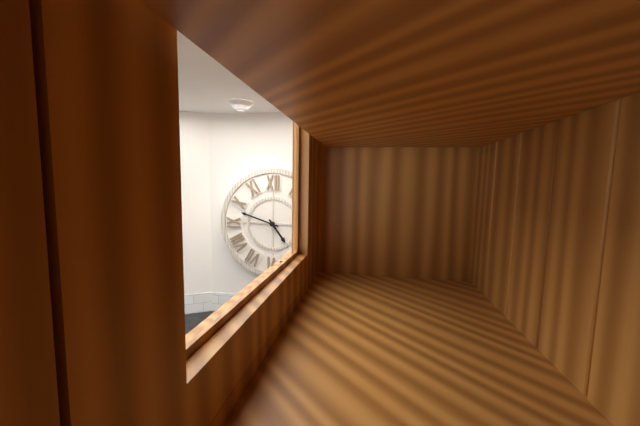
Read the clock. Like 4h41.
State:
4h48
